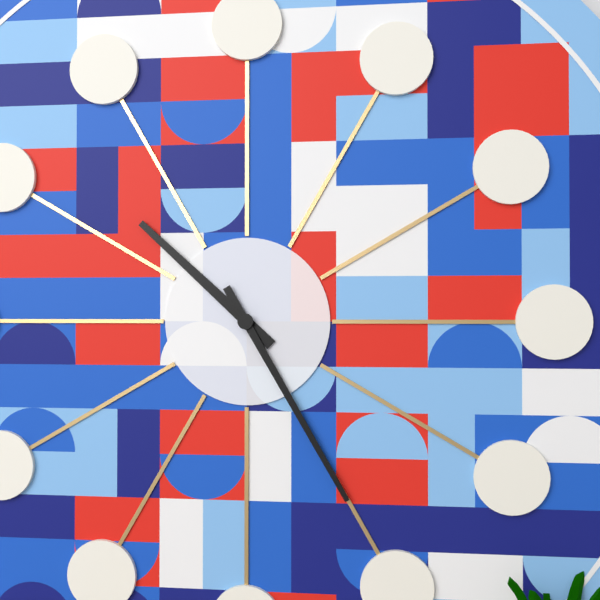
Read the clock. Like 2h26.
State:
10h25
